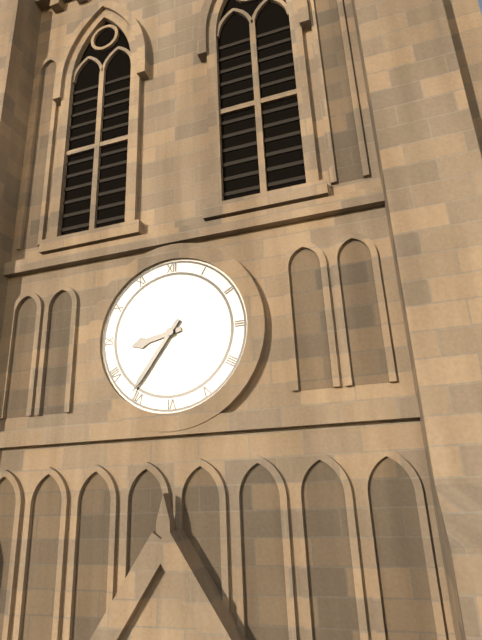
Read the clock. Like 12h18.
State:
8h36
